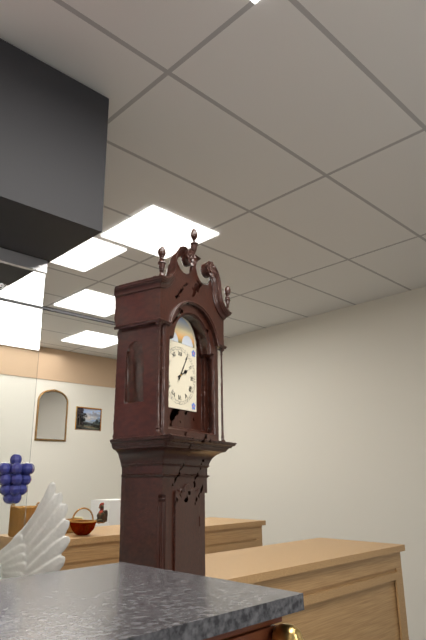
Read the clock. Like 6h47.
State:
2h05
